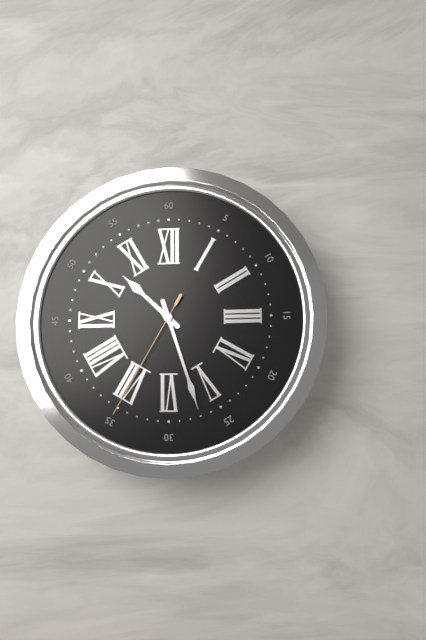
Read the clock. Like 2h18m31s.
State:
10h27m35s
